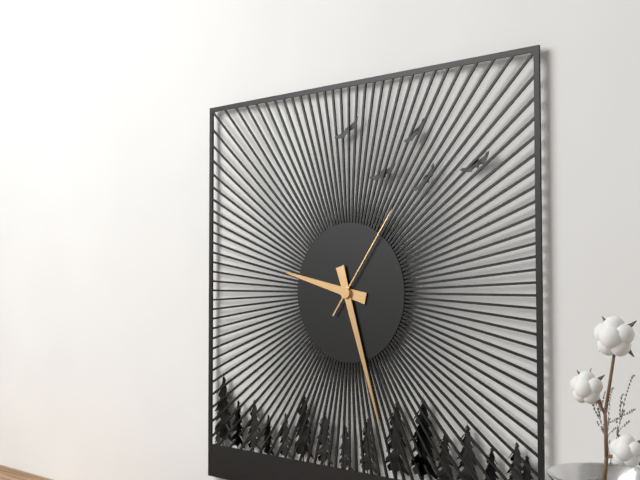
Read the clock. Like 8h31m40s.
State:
9h27m06s
